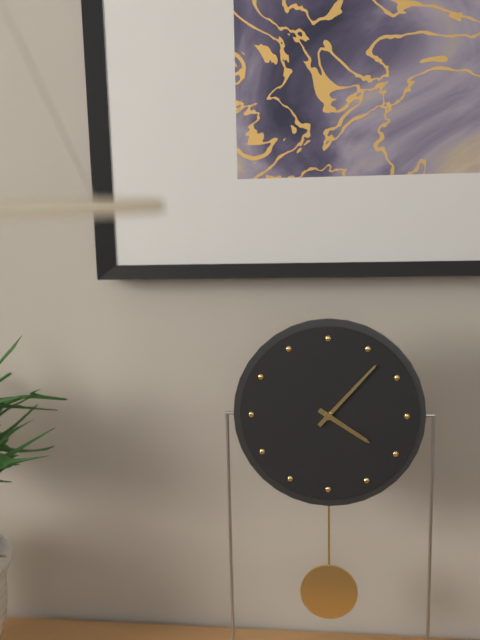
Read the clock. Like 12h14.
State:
4h07
